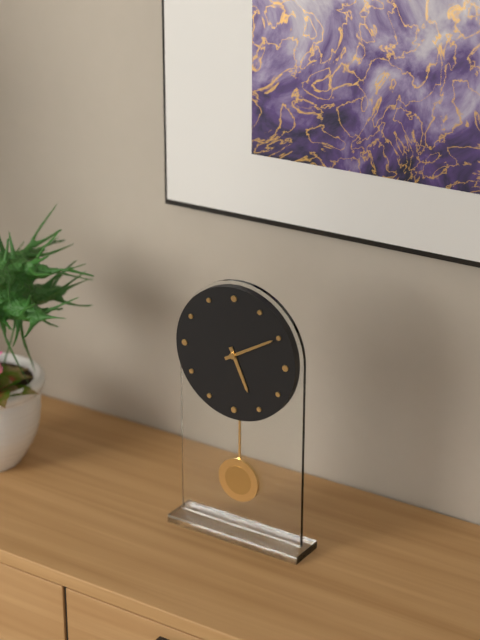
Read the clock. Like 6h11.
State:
5h10
